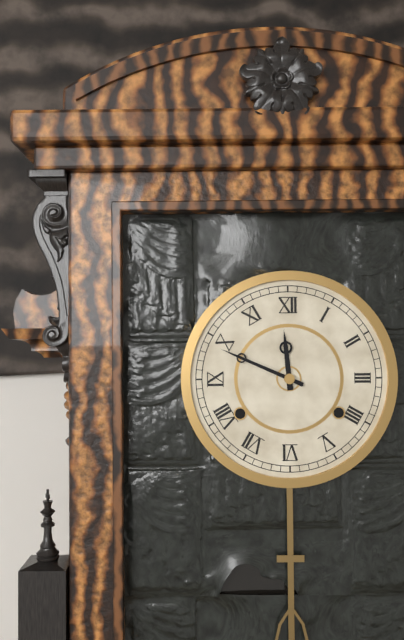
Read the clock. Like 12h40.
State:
11h49
